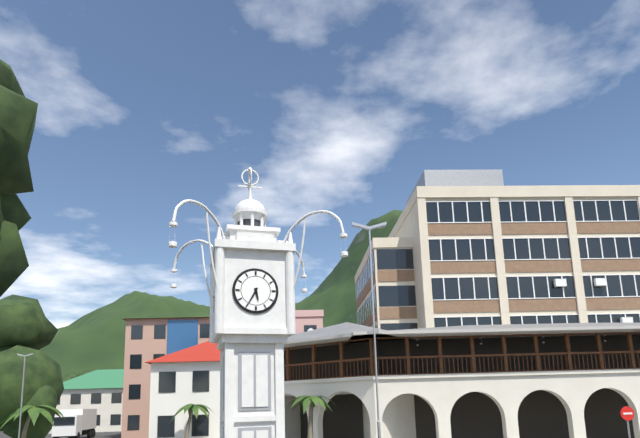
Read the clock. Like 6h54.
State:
5h35
